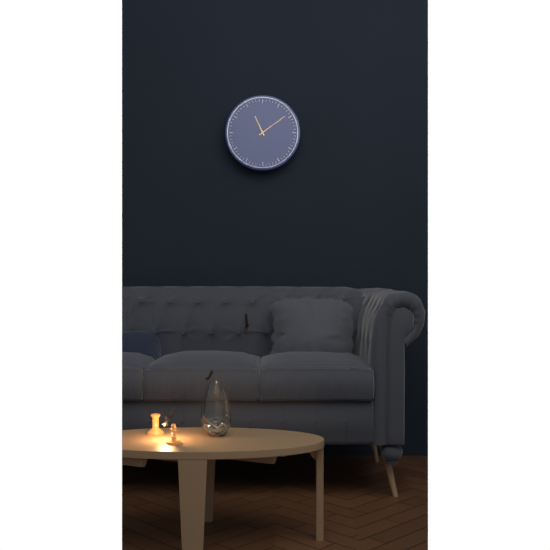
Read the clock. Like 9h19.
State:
11h09
